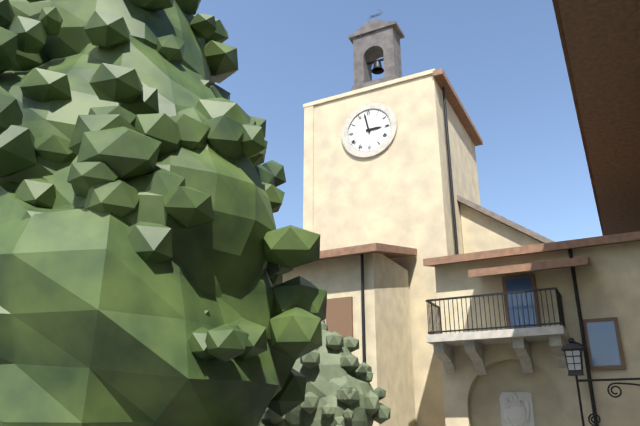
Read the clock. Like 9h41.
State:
2h58
